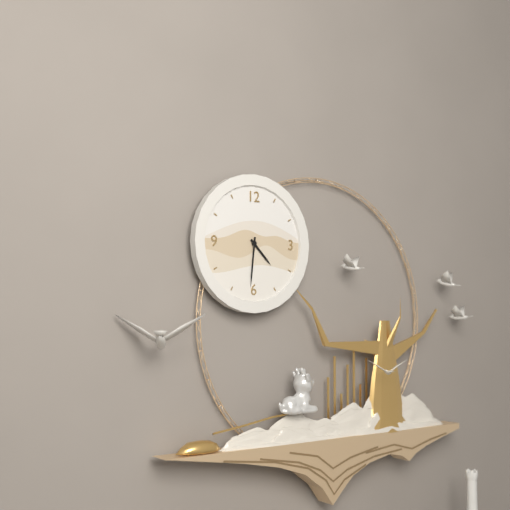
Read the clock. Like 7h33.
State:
4h31
